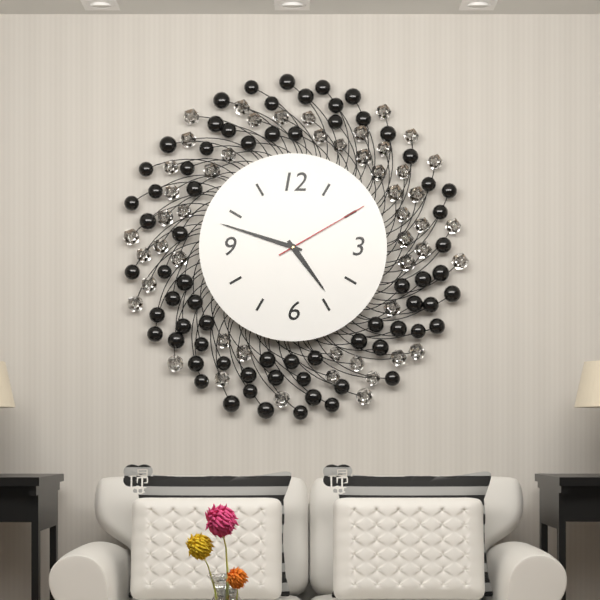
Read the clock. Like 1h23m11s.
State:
4h48m10s
